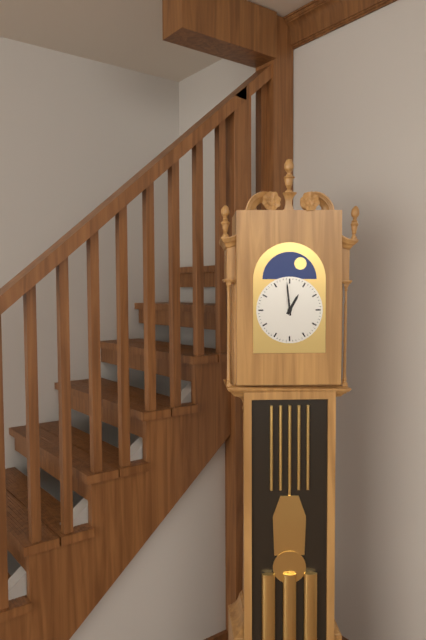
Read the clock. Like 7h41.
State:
12h59
